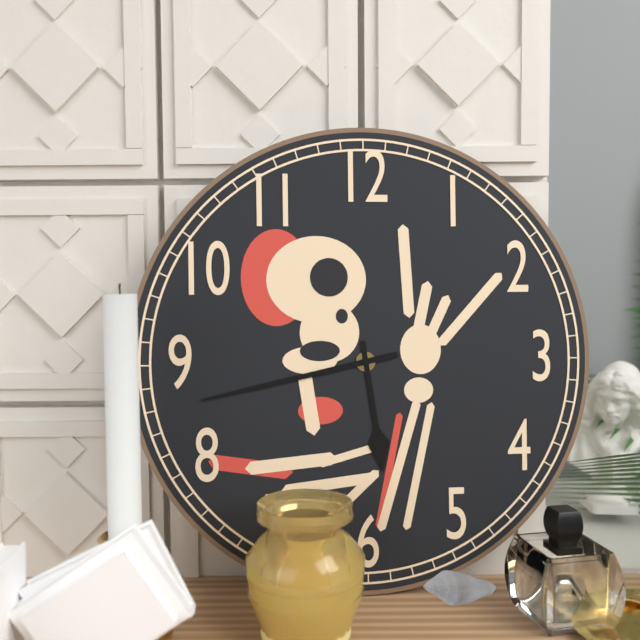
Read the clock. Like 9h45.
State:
5h43
